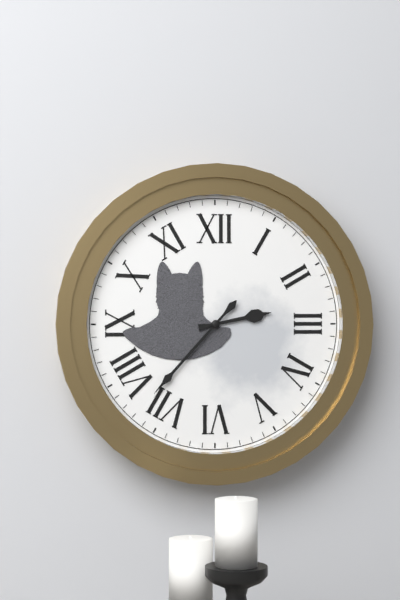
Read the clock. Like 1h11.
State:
2h37
